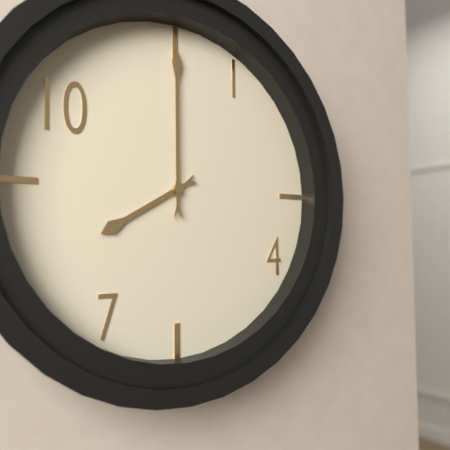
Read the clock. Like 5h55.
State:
8h00
